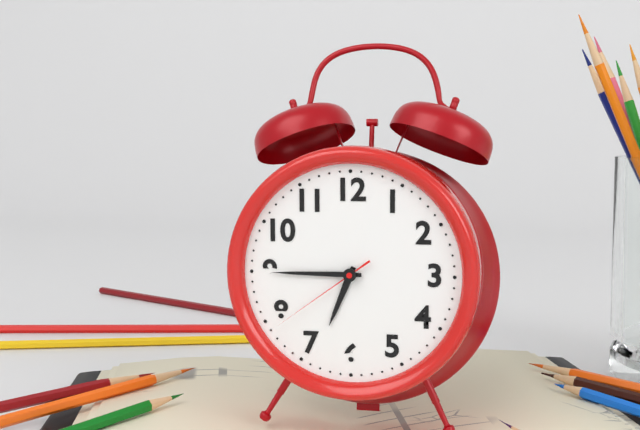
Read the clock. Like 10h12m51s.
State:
6h45m39s
